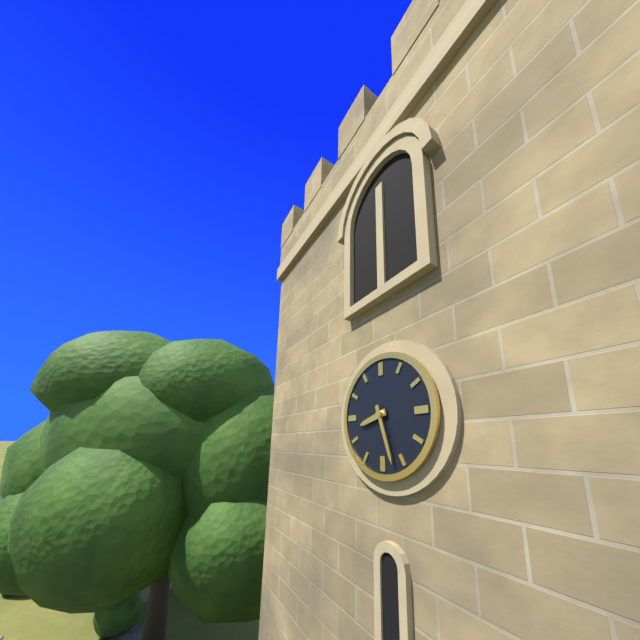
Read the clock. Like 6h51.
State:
8h27
